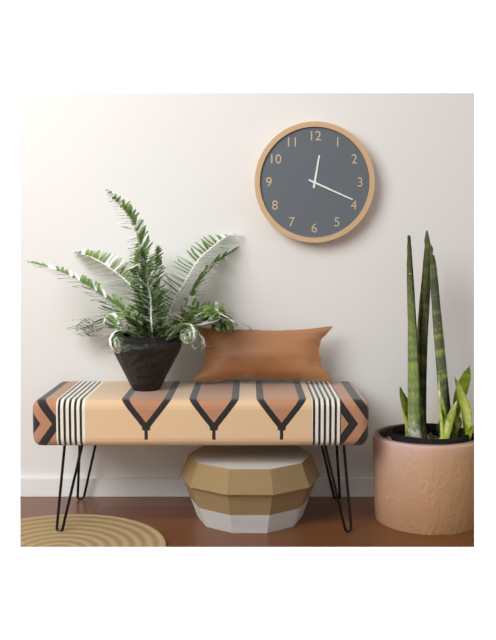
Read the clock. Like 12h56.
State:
12h19
